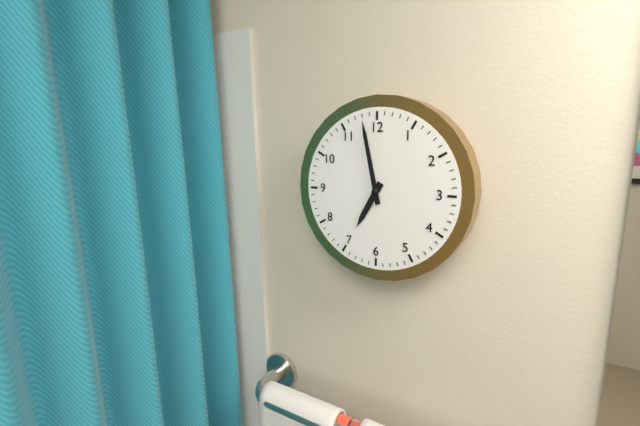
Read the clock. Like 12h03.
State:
6h58
